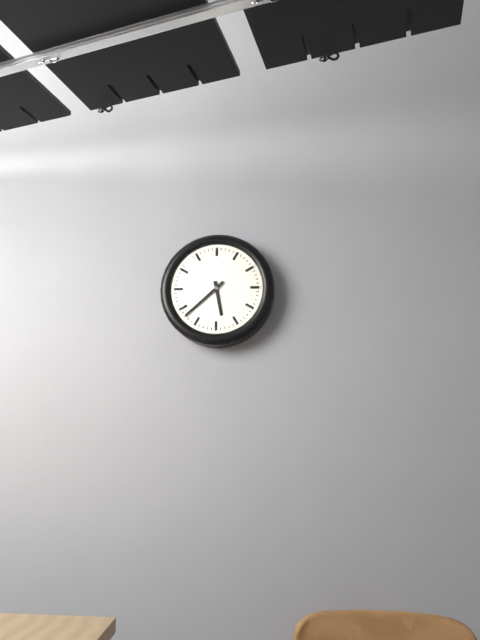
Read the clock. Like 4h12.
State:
5h38
